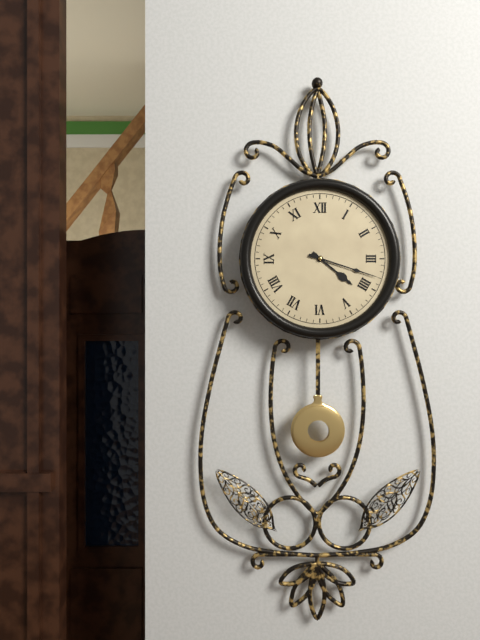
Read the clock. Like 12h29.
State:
4h18
